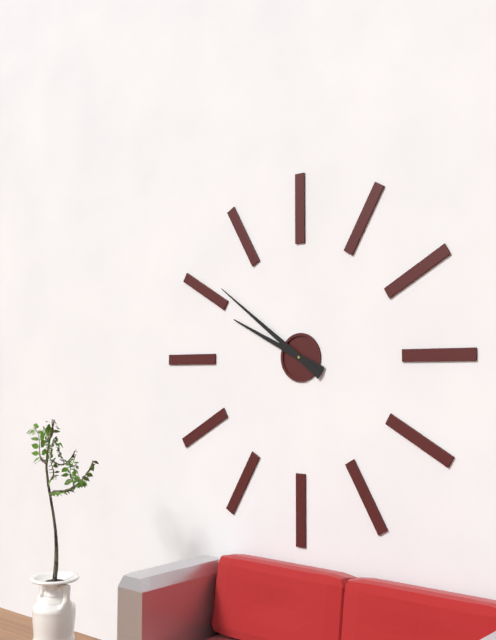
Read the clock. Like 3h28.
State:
9h51
